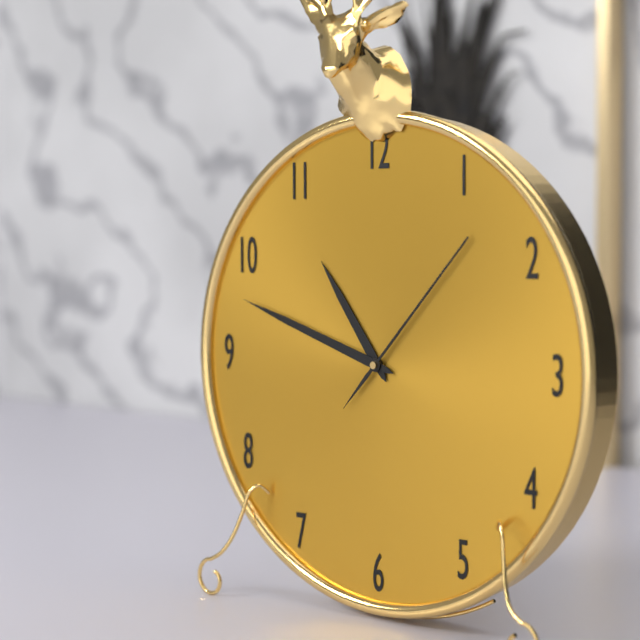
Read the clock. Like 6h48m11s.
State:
10h48m07s
